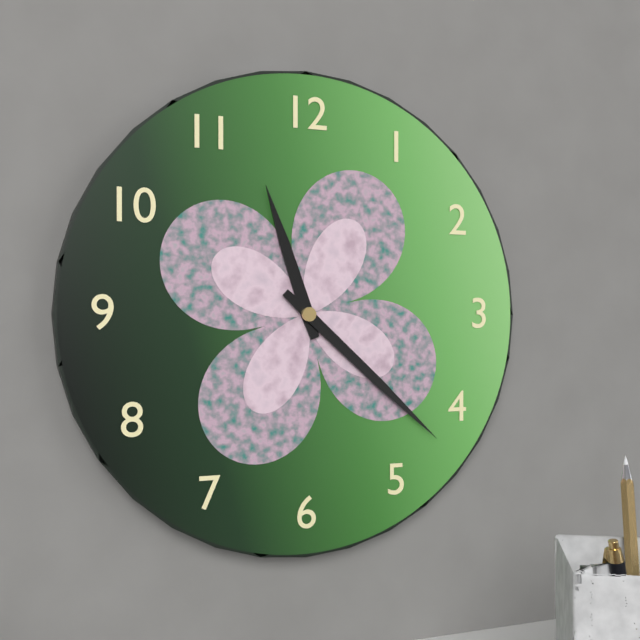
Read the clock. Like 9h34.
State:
11h22
